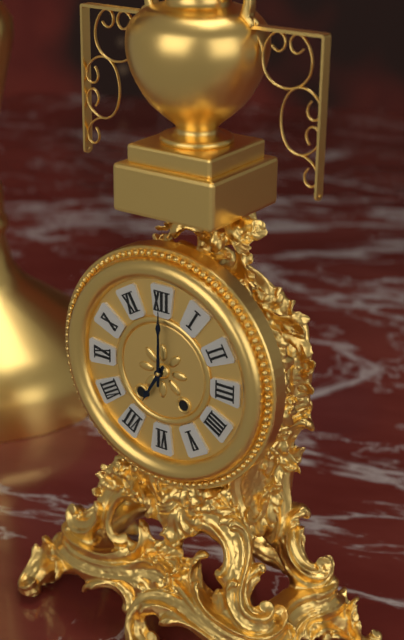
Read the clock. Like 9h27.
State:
7h00
